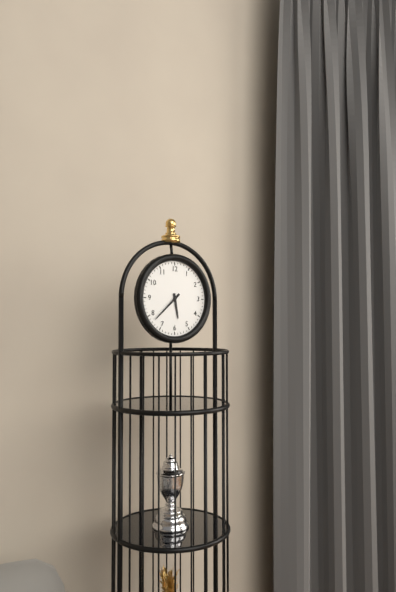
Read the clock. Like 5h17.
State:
5h38
